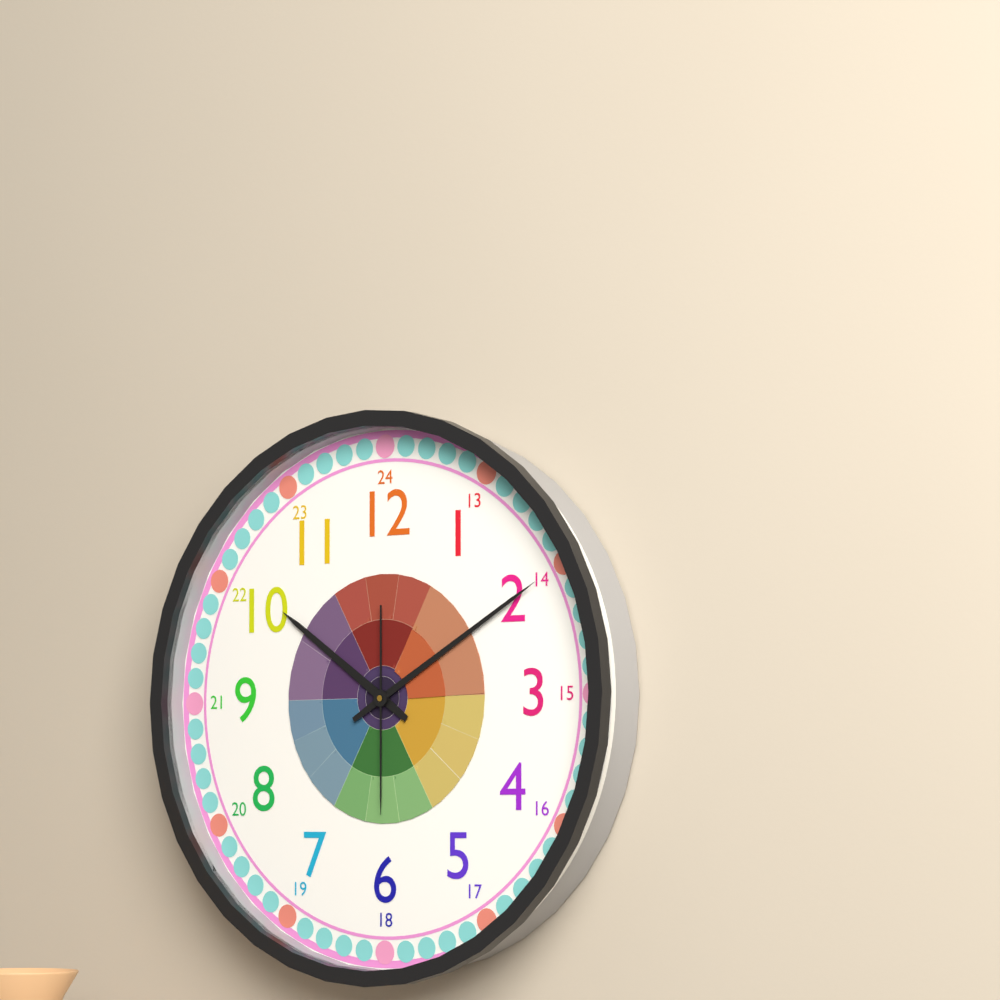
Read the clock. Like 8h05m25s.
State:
10h10m30s
